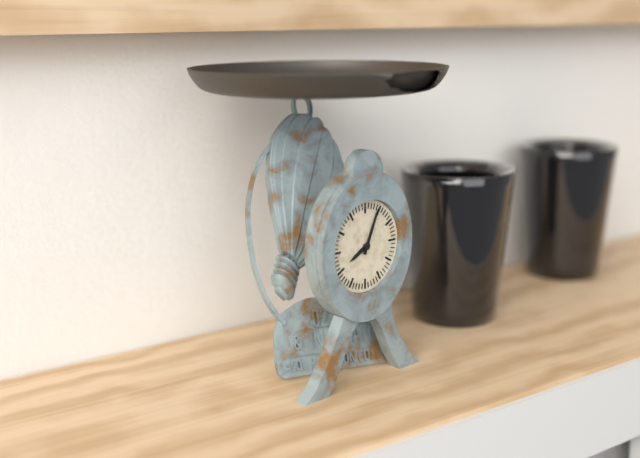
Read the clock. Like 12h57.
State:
8h04
